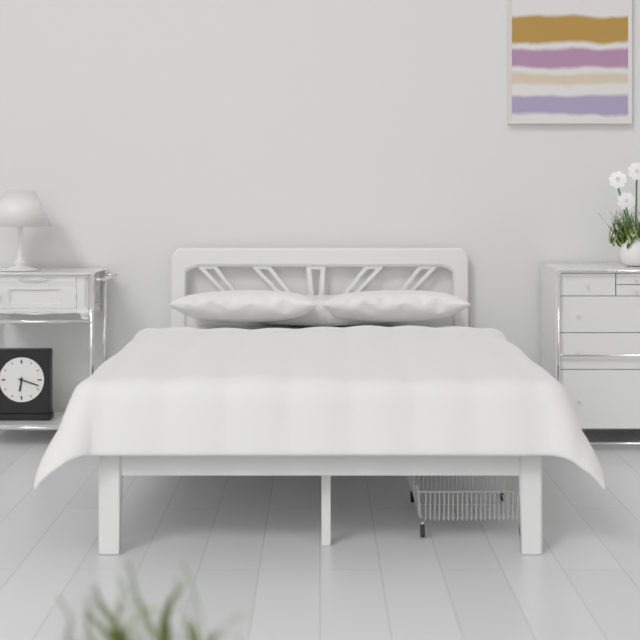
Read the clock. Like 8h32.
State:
6h18
